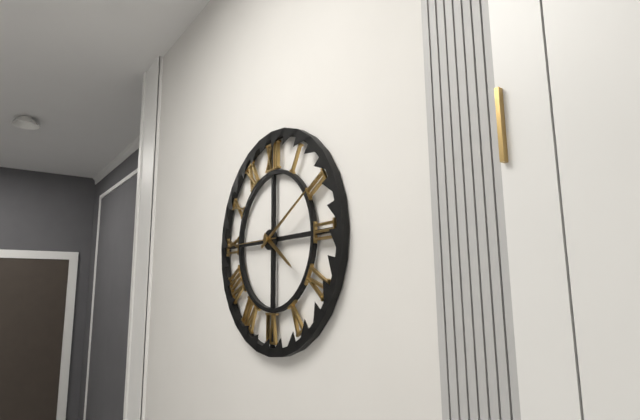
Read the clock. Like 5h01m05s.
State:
4h10m45s
